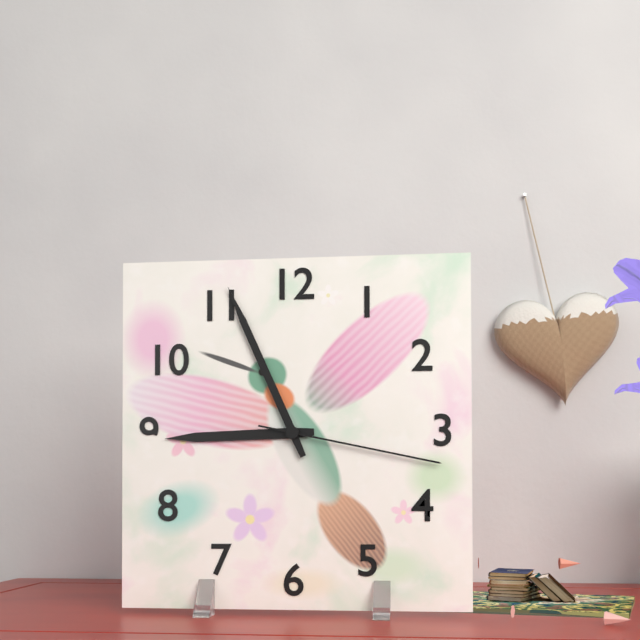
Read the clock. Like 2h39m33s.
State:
8h56m17s
